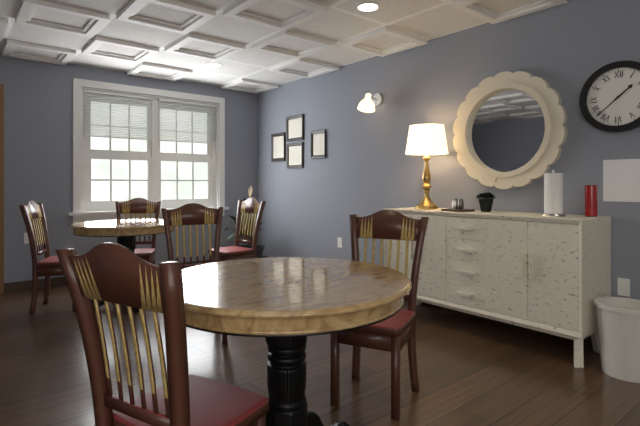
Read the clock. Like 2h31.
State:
1h38
